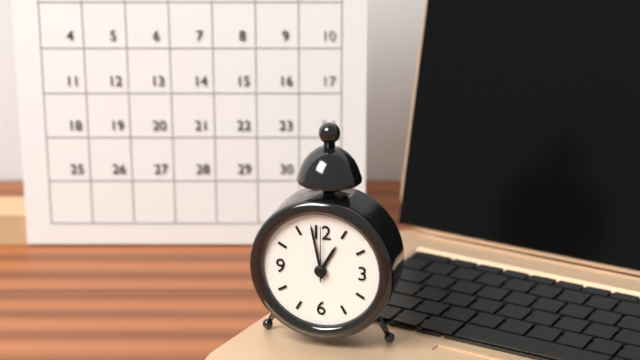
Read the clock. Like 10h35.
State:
12h58
